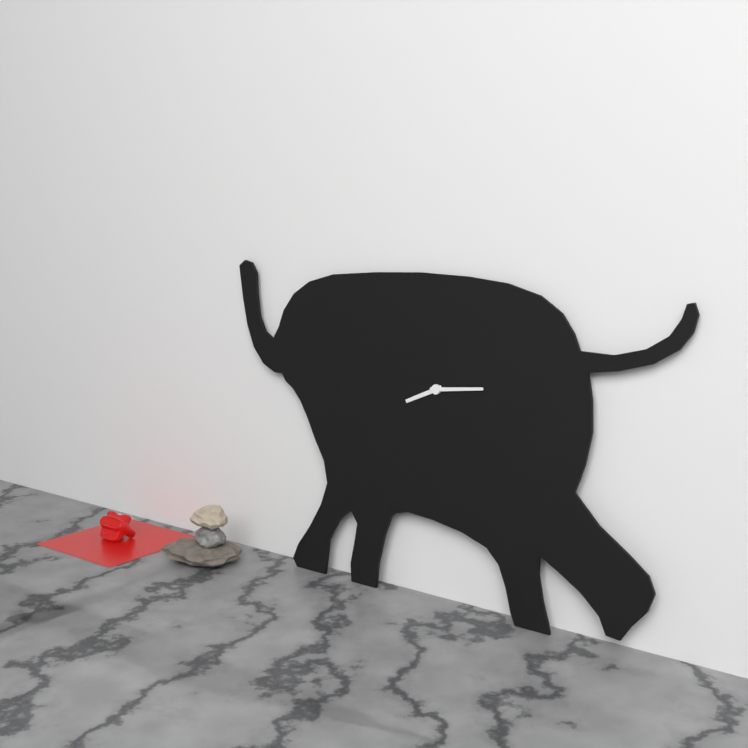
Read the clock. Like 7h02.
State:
8h14
